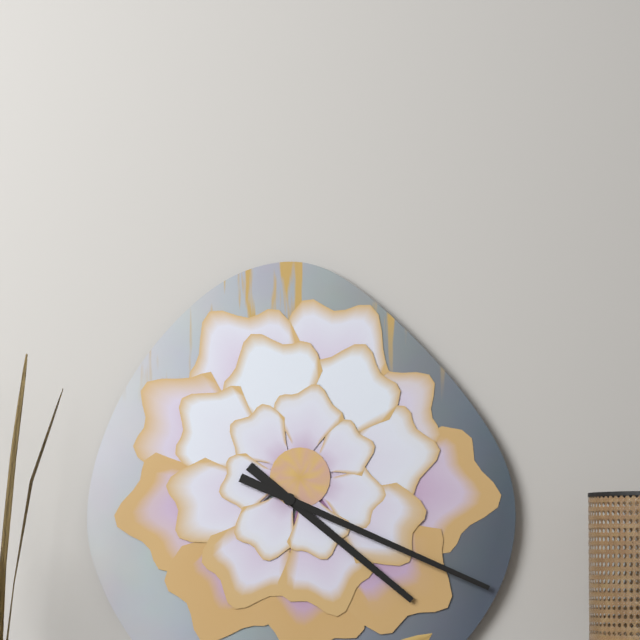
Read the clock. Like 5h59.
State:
4h19
